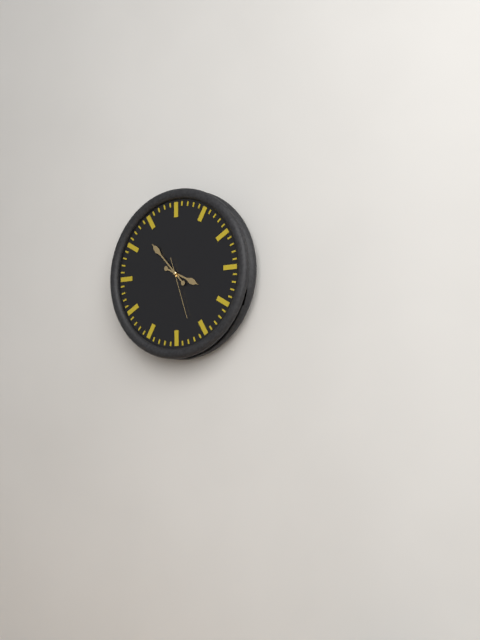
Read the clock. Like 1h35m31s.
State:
3h53m27s
